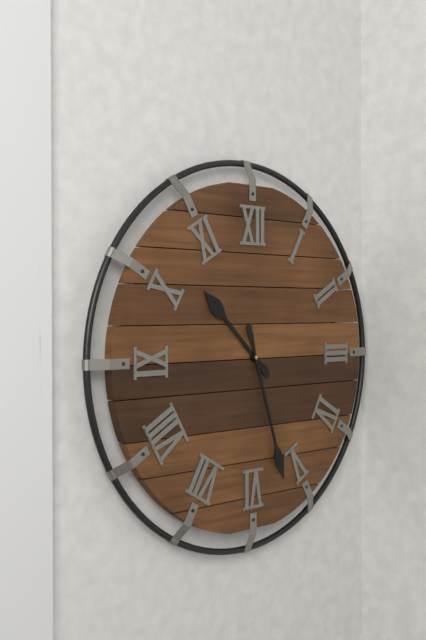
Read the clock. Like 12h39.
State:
10h27
